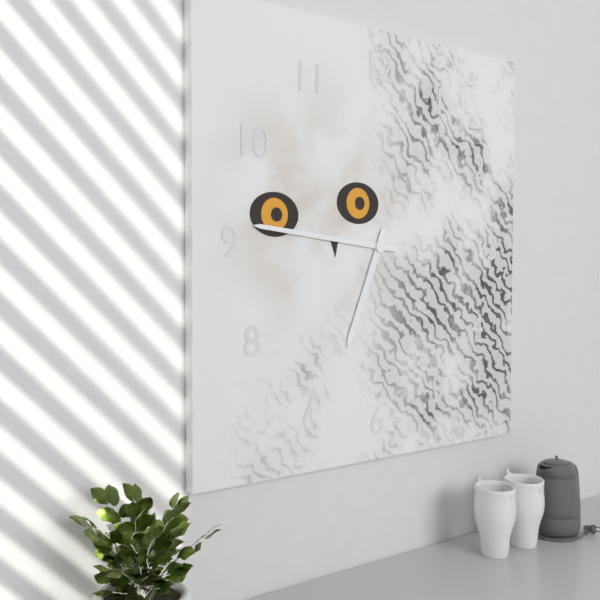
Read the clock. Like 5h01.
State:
6h46
